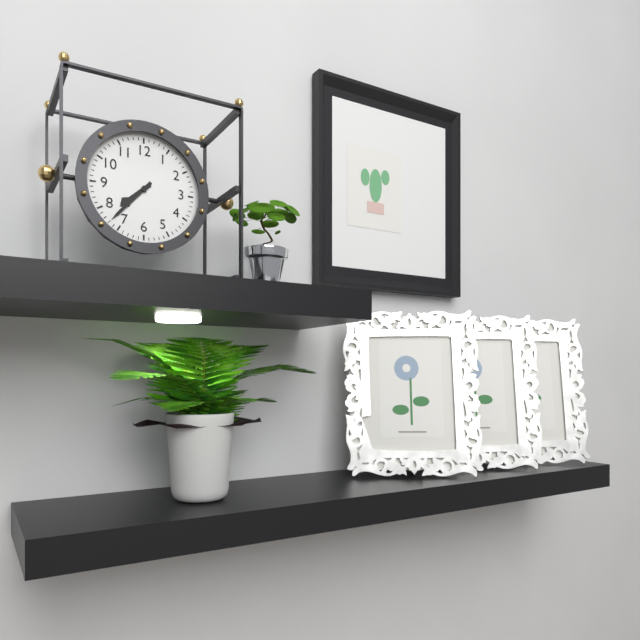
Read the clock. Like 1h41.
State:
7h37
